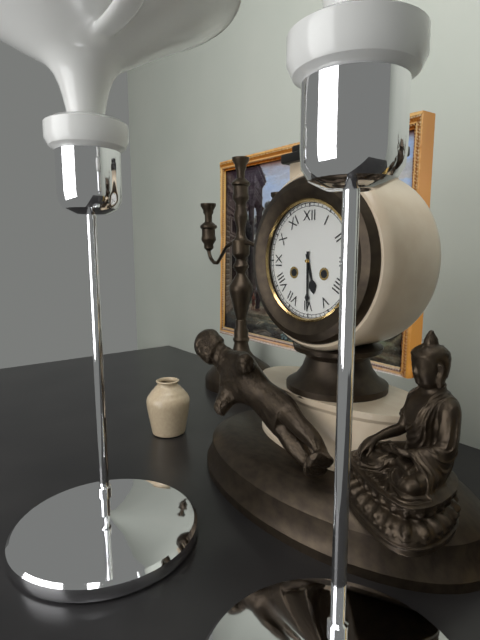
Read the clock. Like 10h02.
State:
5h30
